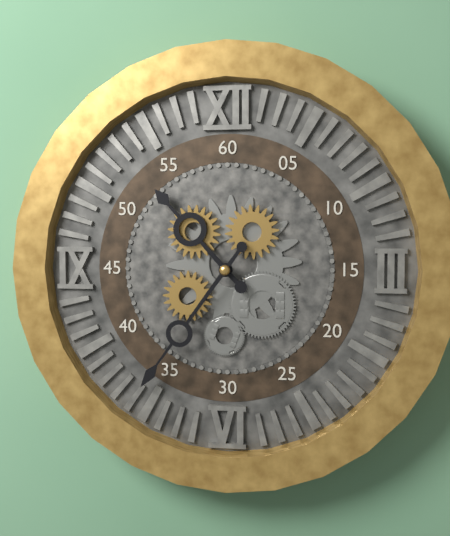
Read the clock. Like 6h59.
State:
10h36
